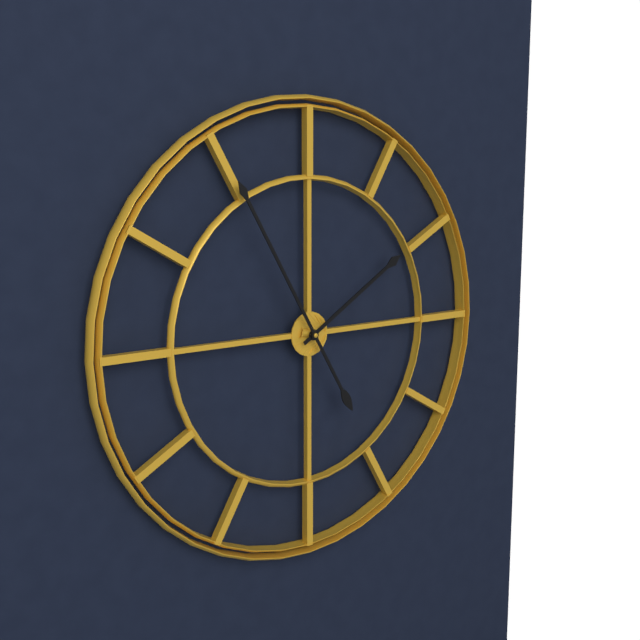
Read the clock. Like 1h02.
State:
1h55
